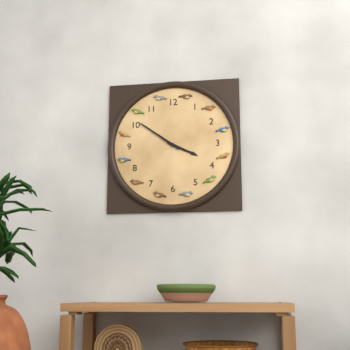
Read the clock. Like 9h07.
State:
3h51
